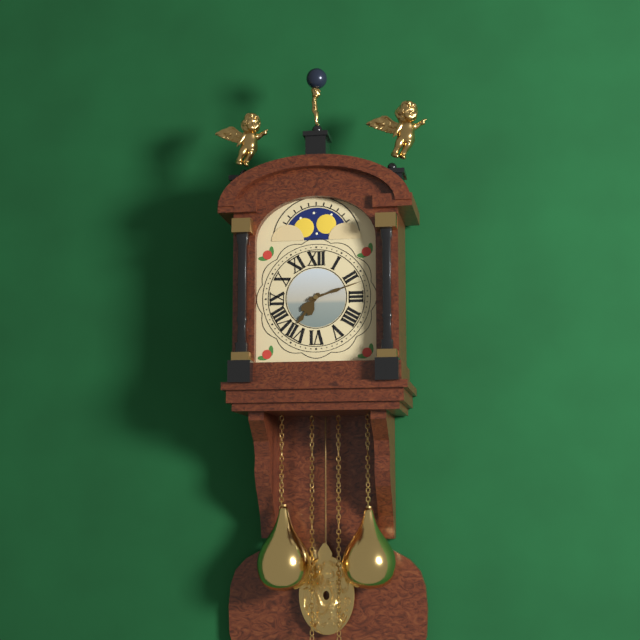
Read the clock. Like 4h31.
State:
7h12
